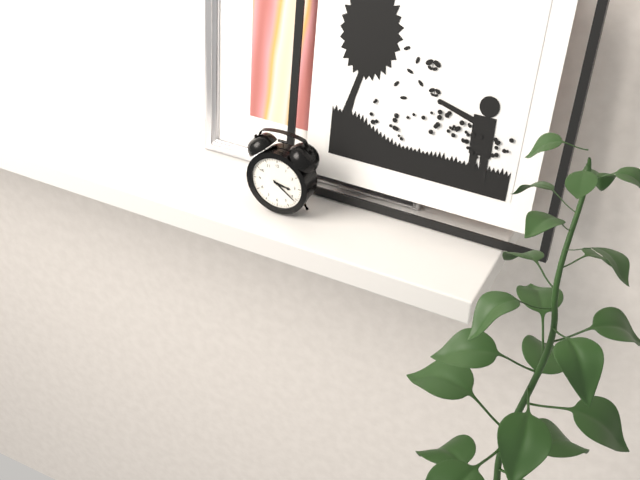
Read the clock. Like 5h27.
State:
3h21
